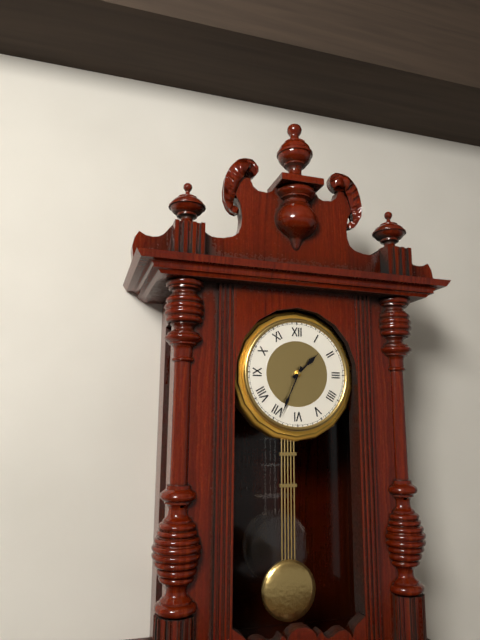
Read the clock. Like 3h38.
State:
1h34
